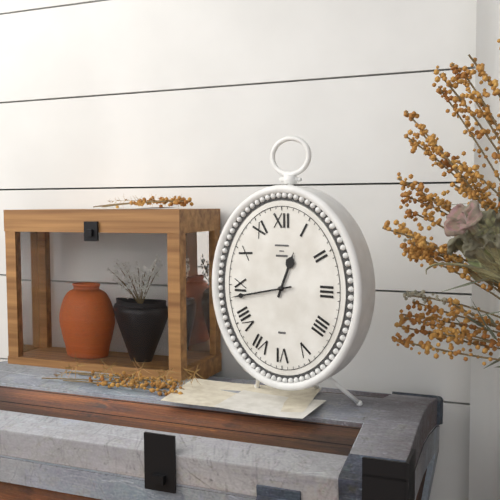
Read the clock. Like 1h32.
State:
12h43
